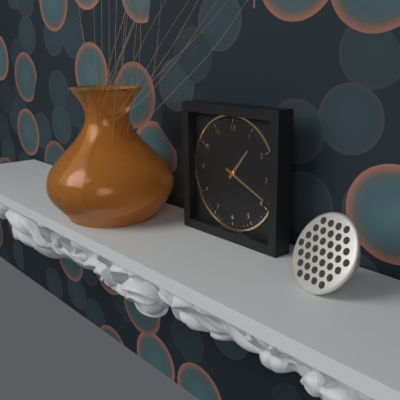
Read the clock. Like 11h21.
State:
1h19
